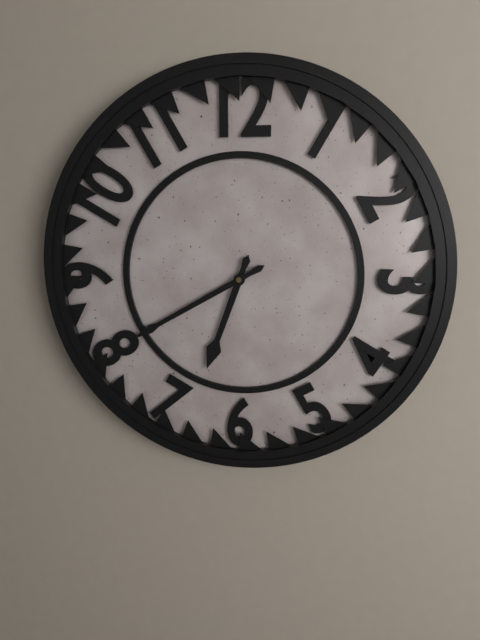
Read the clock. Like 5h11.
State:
6h40
